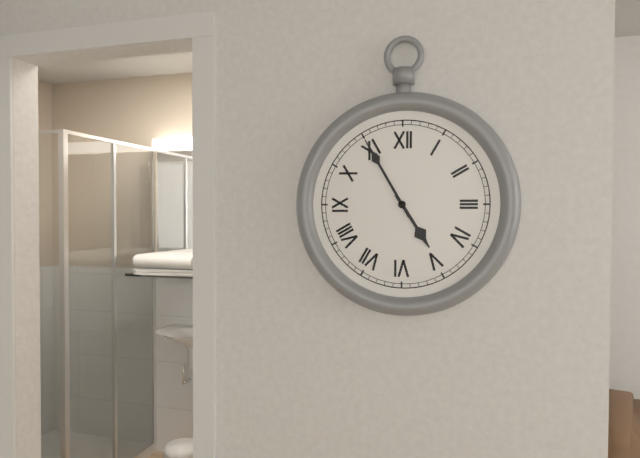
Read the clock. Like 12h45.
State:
4h55
